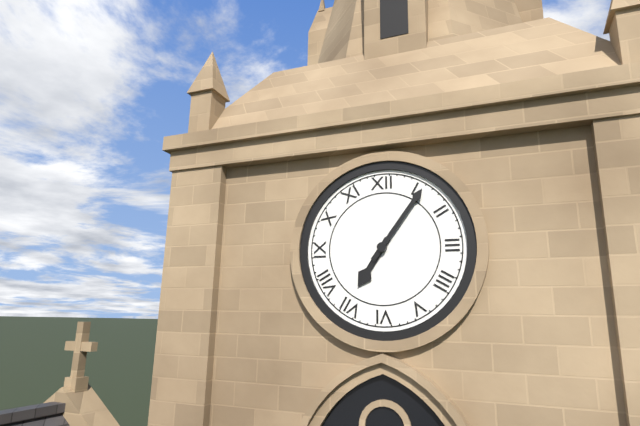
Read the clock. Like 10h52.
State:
7h06
